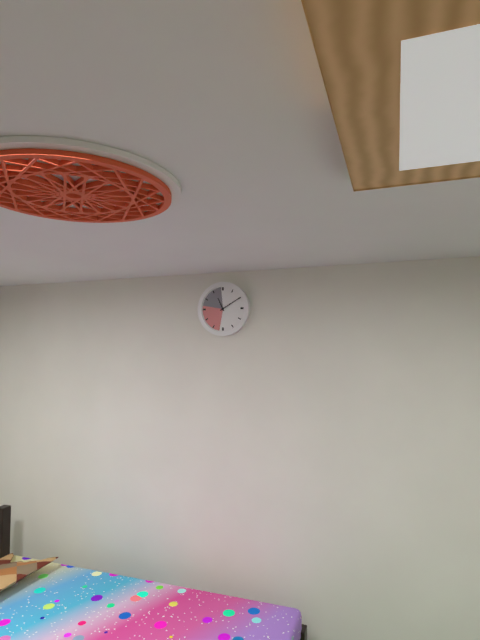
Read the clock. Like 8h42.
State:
11h10
